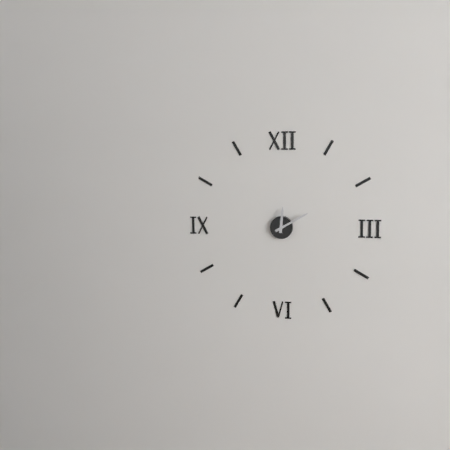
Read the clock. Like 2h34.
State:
12h10
